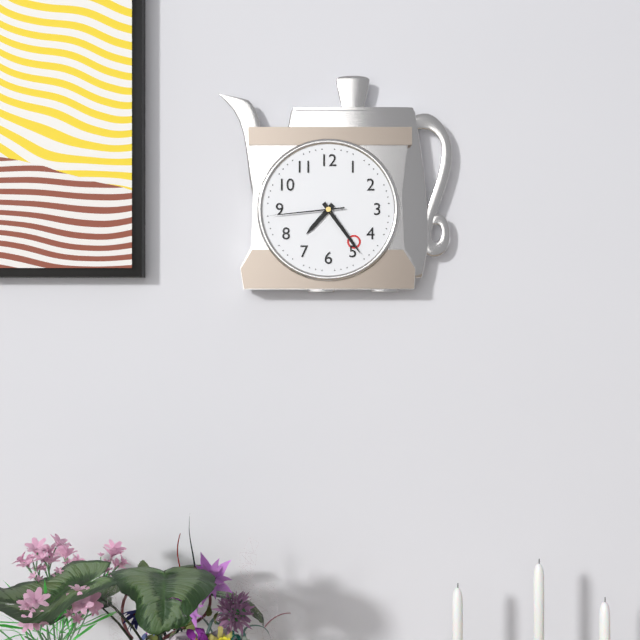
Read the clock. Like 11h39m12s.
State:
7h24m44s
